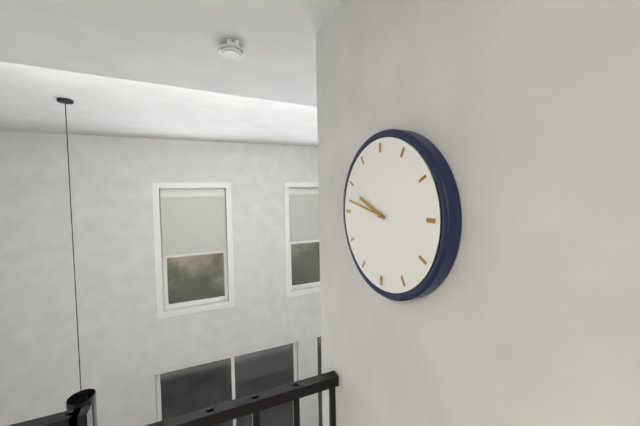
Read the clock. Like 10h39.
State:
9h47
